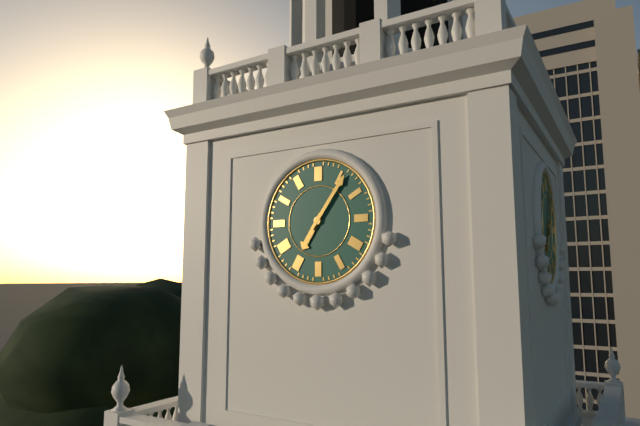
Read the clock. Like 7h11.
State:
7h06
